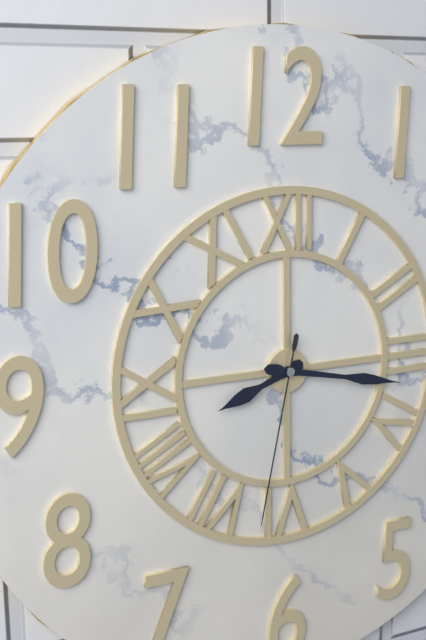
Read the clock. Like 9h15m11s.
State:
8h17m32s
